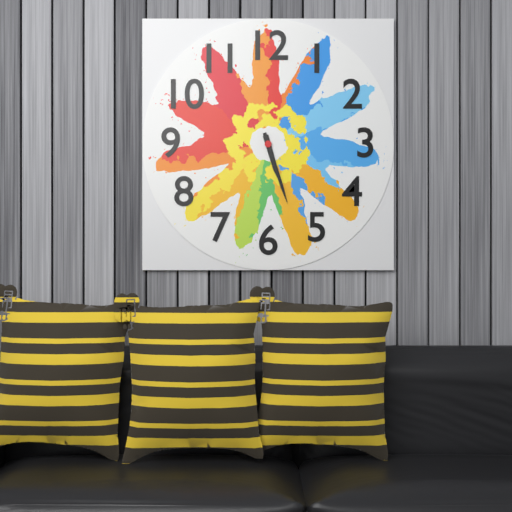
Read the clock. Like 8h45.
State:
5h27
